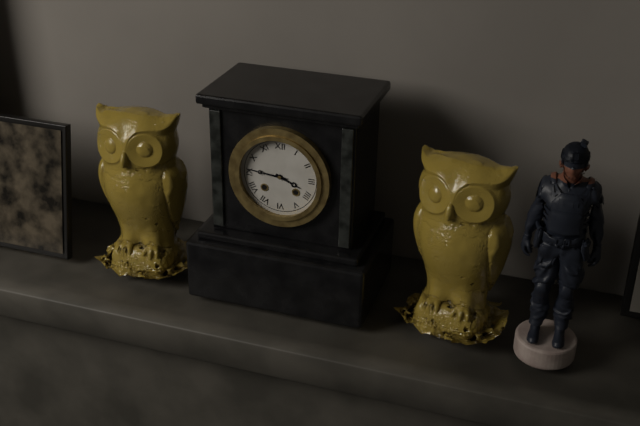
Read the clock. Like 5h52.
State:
3h46
